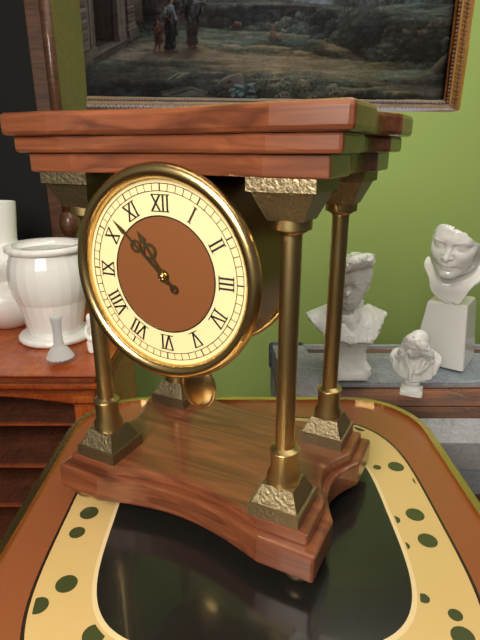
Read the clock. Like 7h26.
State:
10h52
